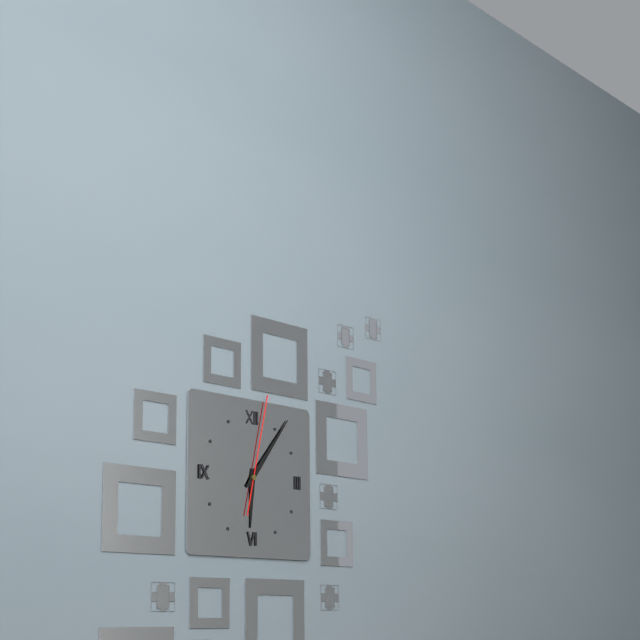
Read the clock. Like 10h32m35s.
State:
6h06m02s
